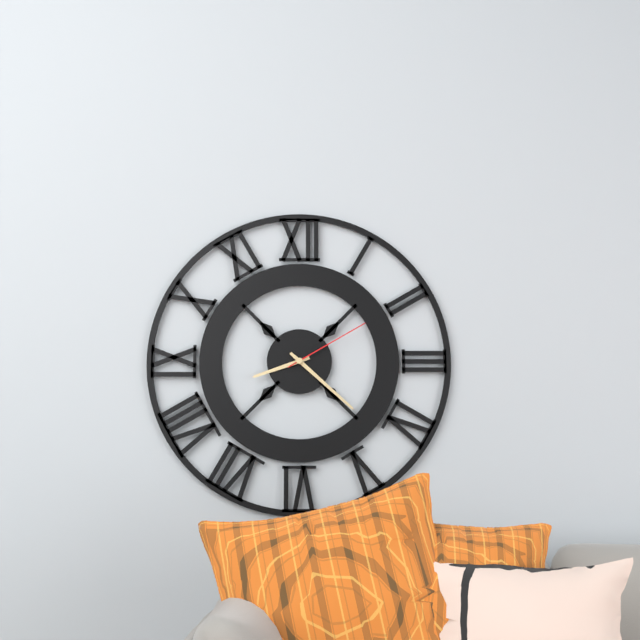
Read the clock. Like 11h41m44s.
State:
8h22m10s
